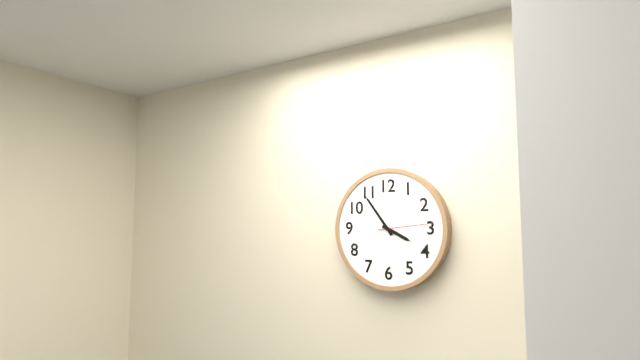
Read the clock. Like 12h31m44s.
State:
3h54m14s
